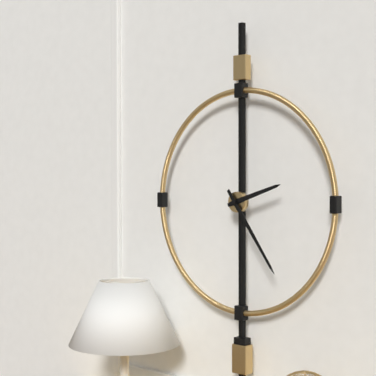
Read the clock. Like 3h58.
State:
2h24
